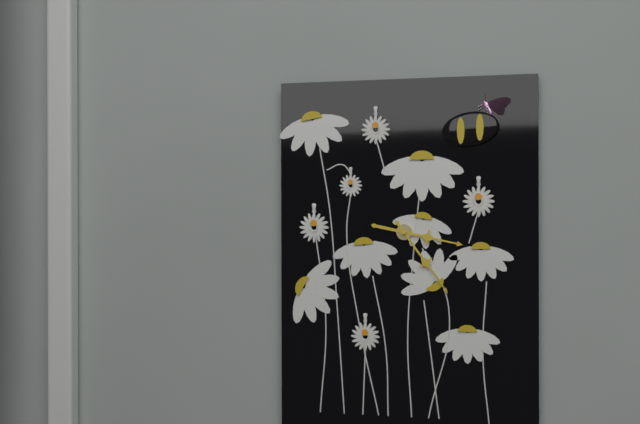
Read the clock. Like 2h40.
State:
3h24
